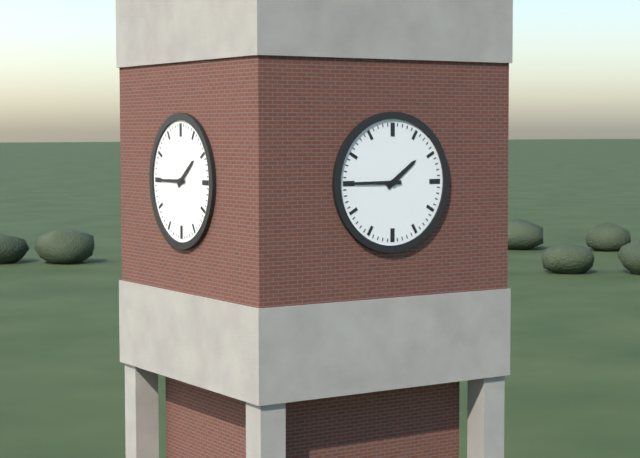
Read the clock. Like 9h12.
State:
1h45
